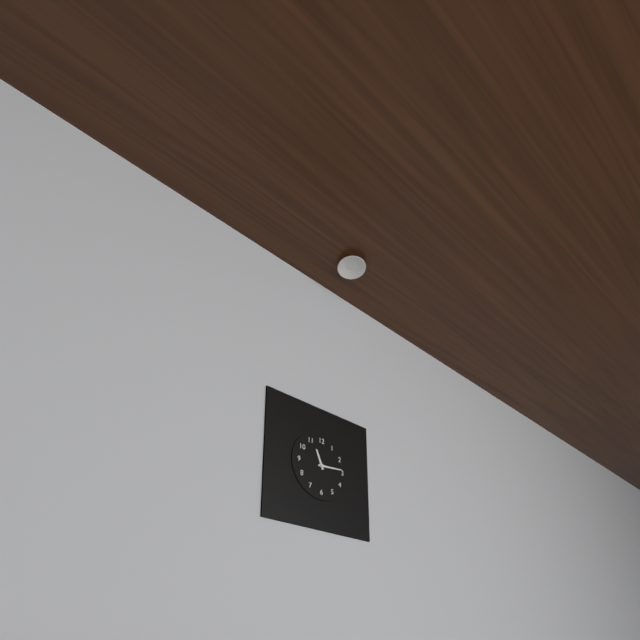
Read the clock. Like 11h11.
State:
11h14
